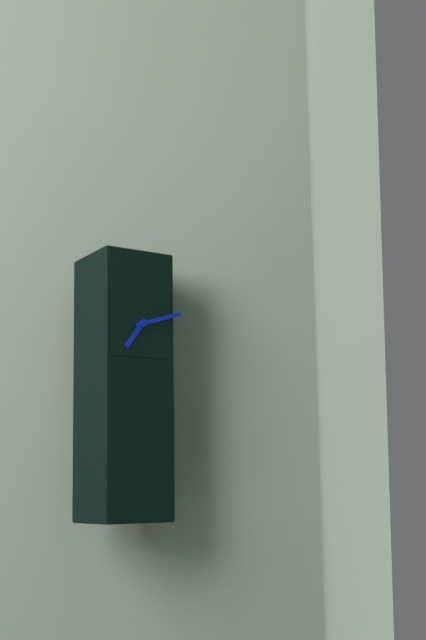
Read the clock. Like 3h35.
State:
7h12
